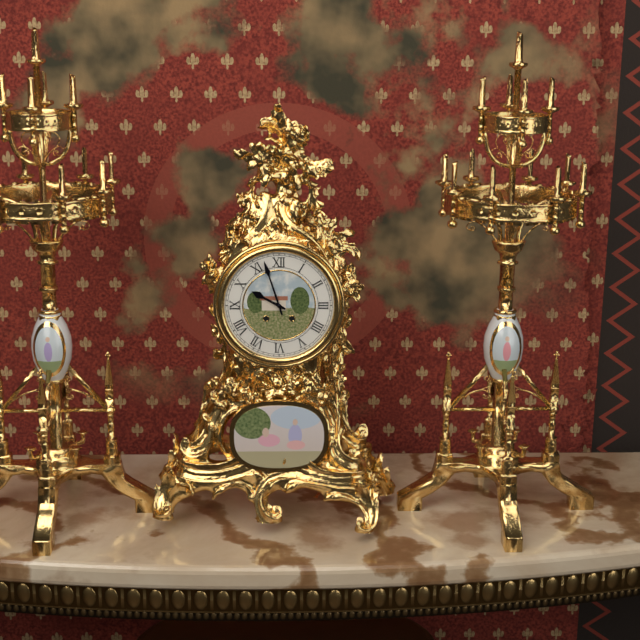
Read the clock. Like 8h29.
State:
9h57
